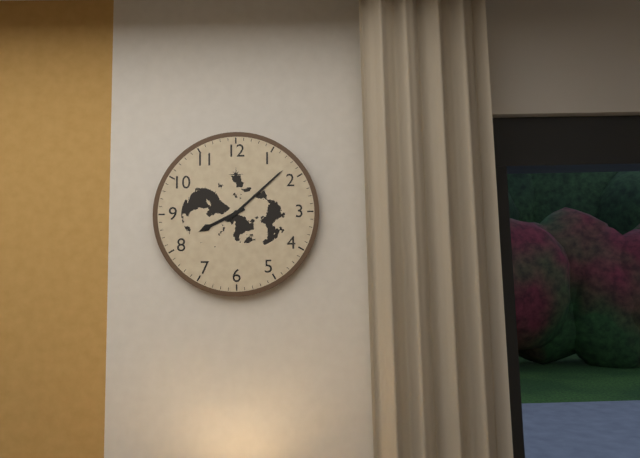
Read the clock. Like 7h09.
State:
8h08
